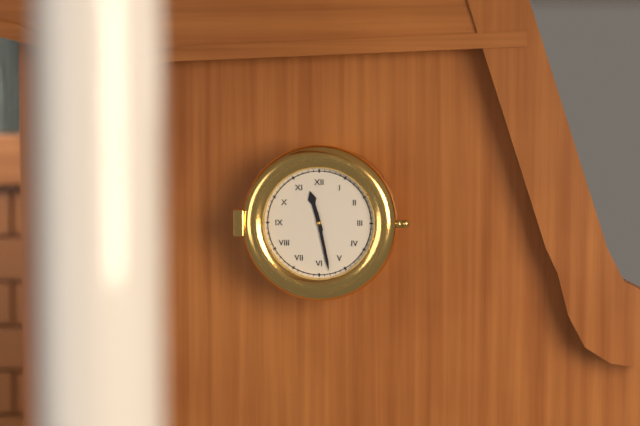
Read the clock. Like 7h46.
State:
11h28
